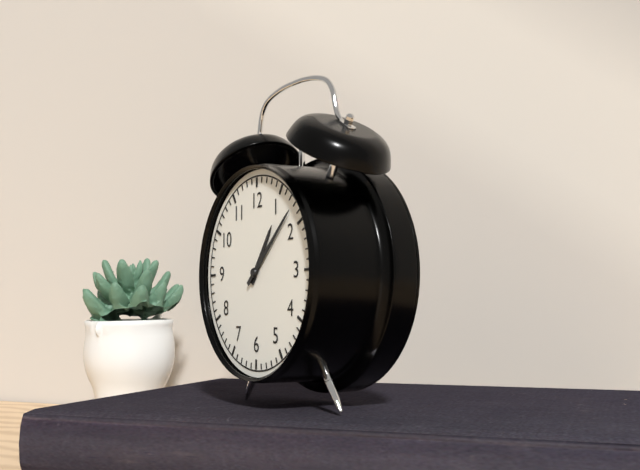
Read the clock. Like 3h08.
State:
1h08
